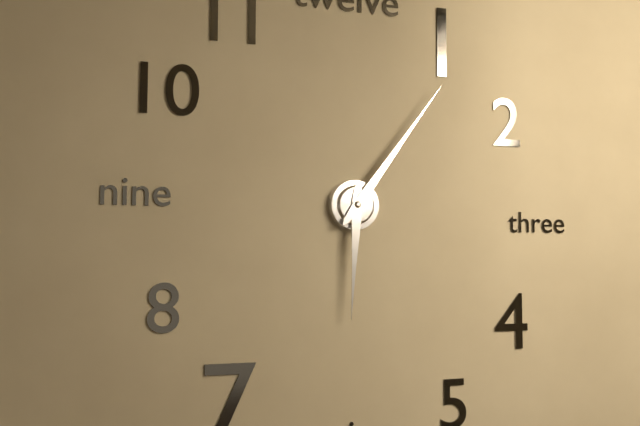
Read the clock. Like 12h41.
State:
6h06
